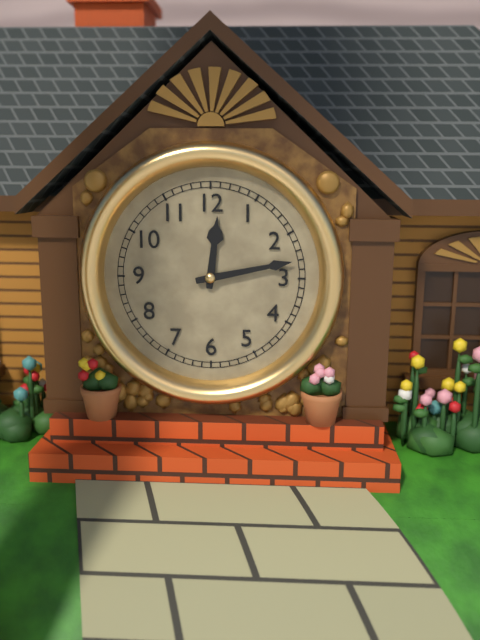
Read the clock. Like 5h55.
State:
12h13
